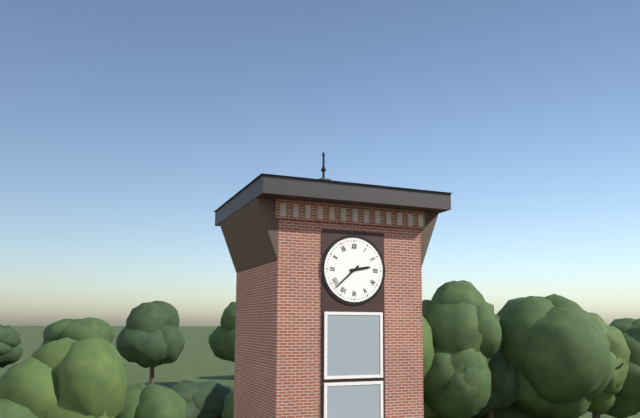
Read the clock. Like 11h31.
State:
2h38
